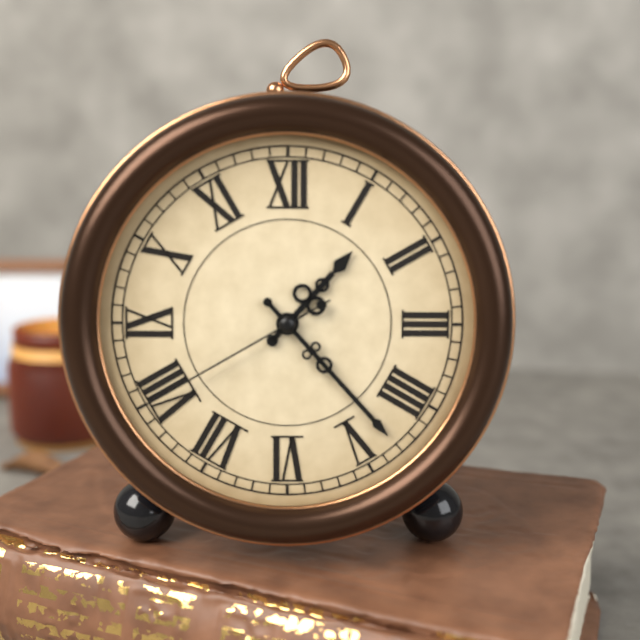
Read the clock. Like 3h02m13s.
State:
1h23m40s
